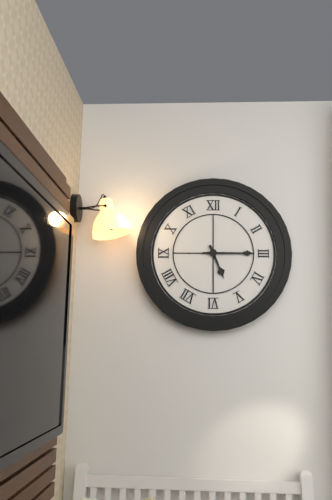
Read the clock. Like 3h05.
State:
5h15
